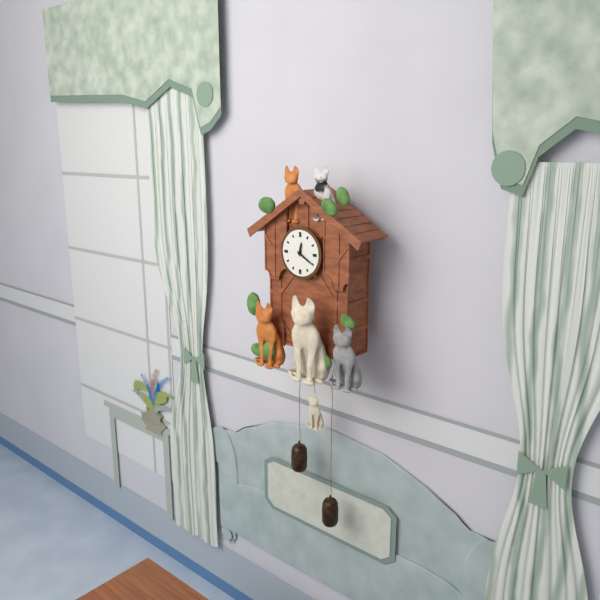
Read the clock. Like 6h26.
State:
12h20
